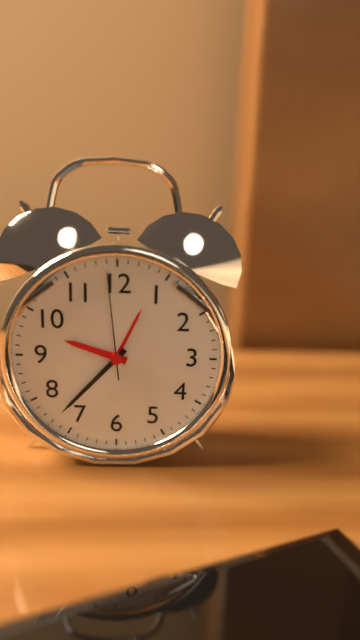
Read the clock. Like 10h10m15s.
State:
9h37m59s
